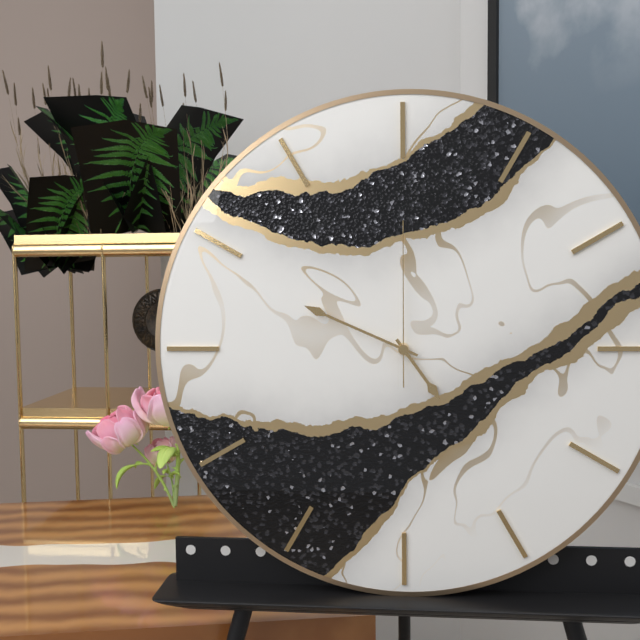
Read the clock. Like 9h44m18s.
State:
4h49m00s
